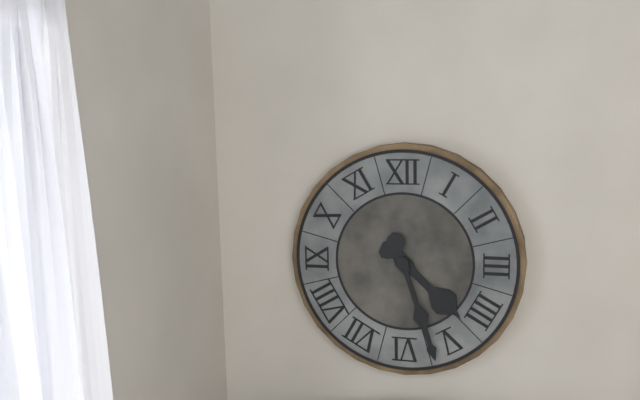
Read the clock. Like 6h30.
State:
4h27
